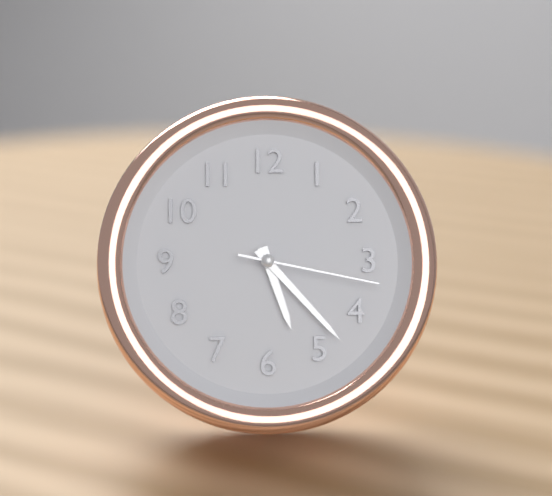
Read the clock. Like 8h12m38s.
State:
5h23m17s
